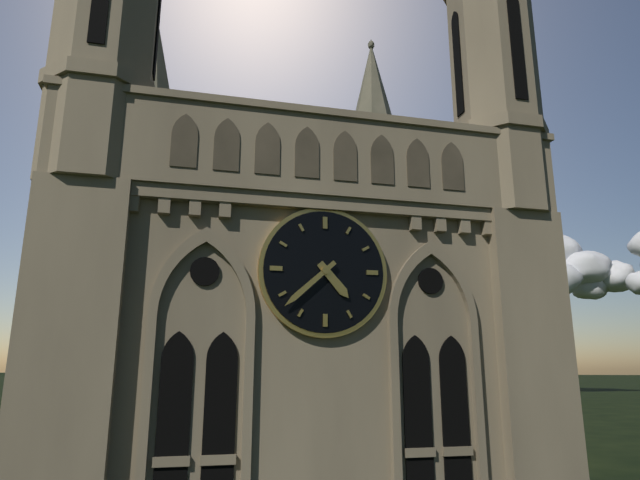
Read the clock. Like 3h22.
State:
4h38
